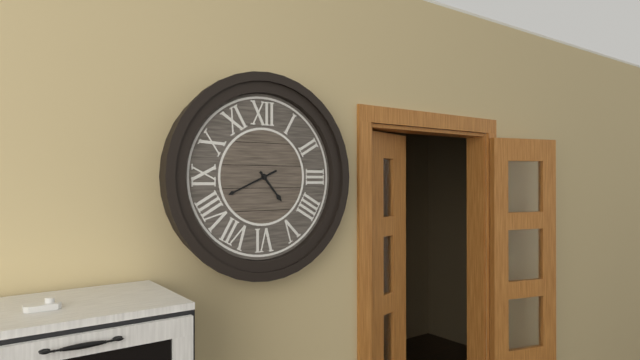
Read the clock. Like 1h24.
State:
4h41
